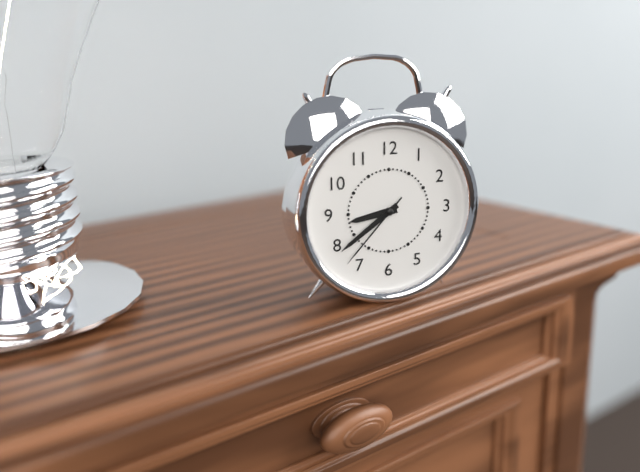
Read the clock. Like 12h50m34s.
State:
8h39m37s
